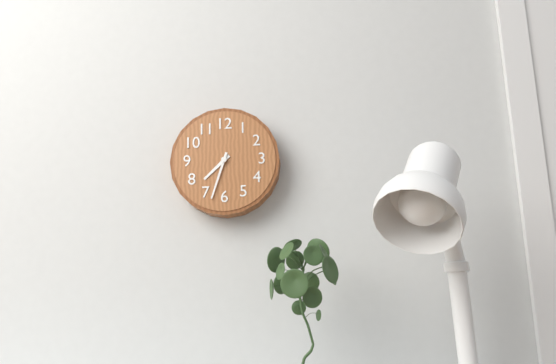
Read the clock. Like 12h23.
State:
7h33
